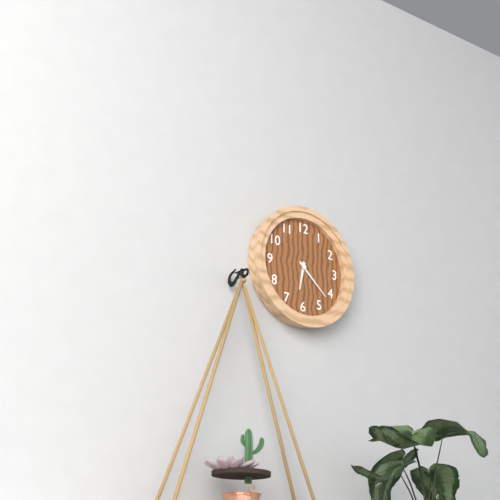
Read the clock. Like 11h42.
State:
6h22
